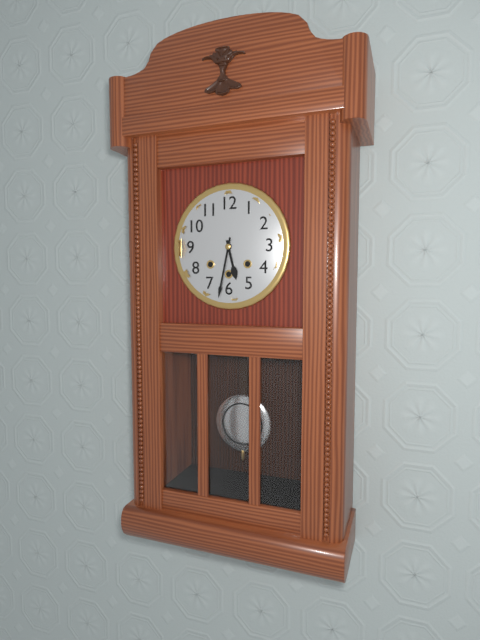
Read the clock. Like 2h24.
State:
5h32
